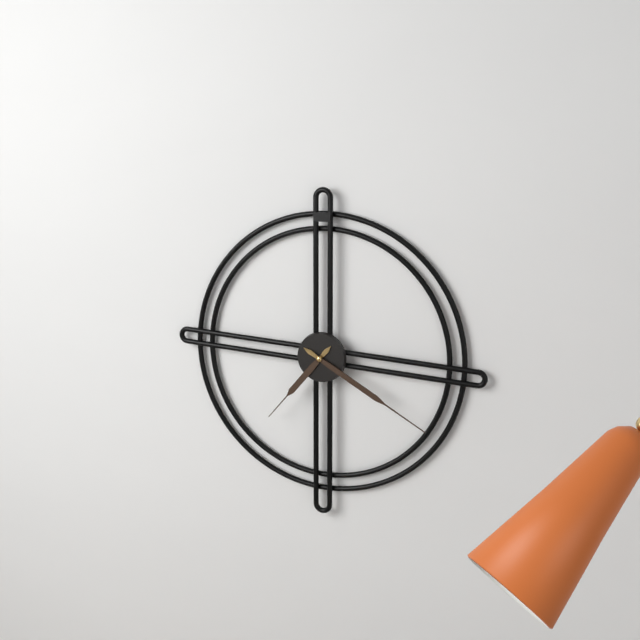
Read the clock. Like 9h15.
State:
7h20
